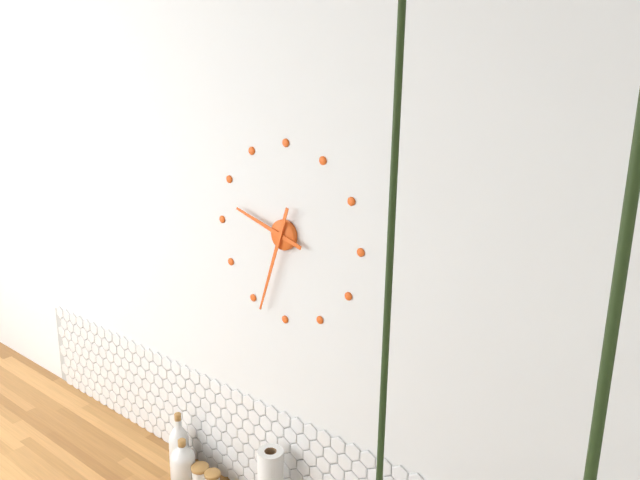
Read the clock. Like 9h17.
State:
9h33
